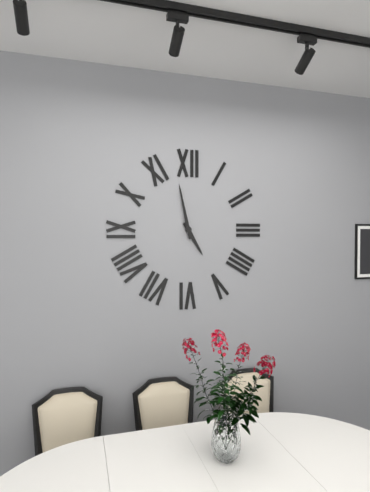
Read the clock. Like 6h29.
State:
4h58
